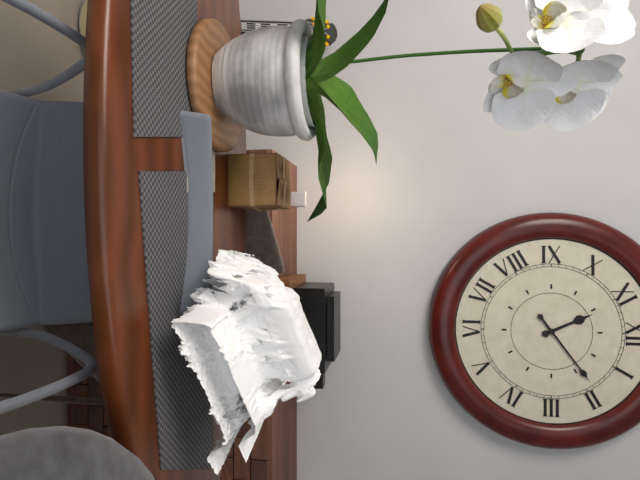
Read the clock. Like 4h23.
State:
11h09
